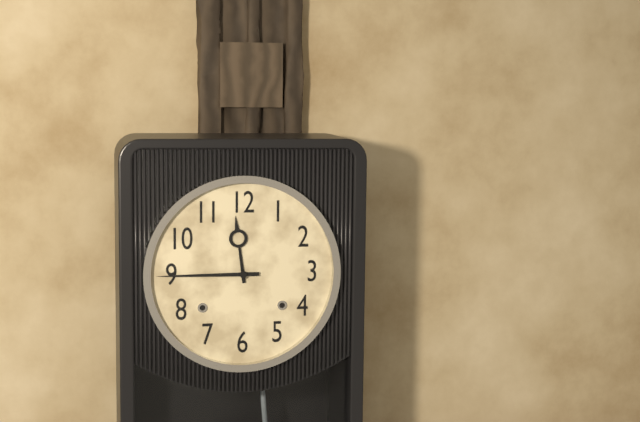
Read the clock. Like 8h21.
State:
11h45
